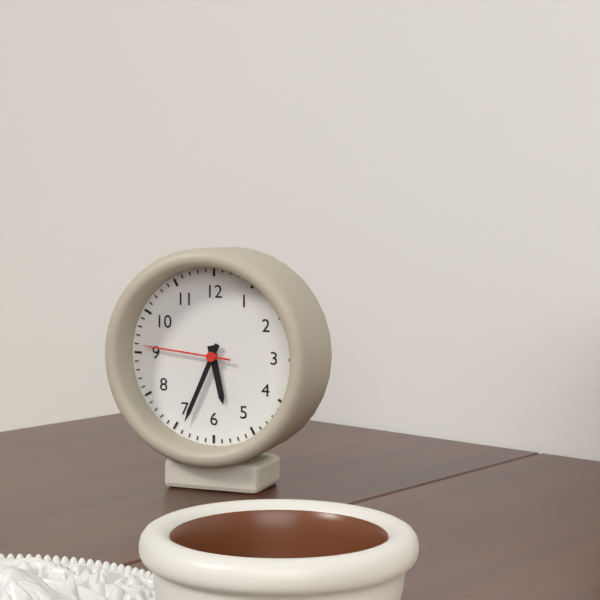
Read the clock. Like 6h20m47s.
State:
5h34m46s
